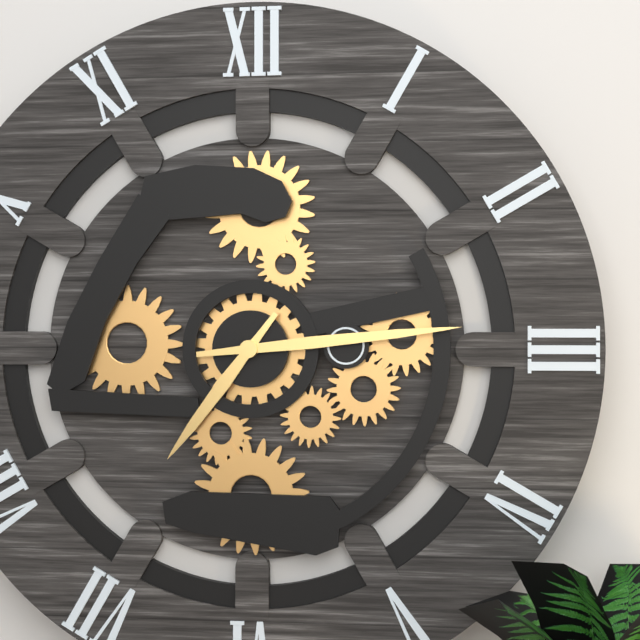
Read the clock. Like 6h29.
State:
7h14
